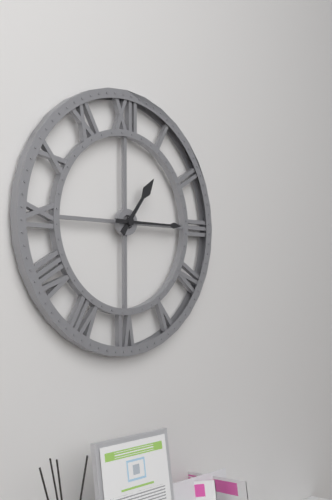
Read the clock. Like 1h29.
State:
1h15
